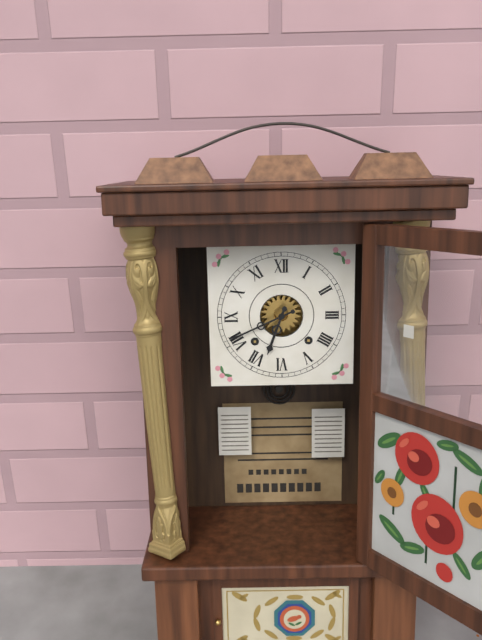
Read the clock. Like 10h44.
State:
6h41
